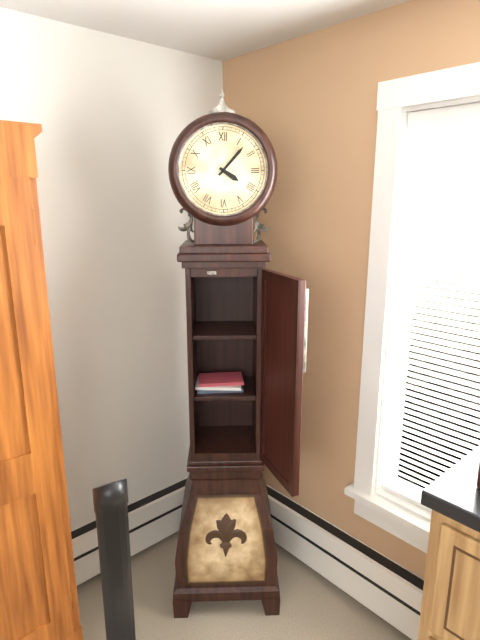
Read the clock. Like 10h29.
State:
4h07
